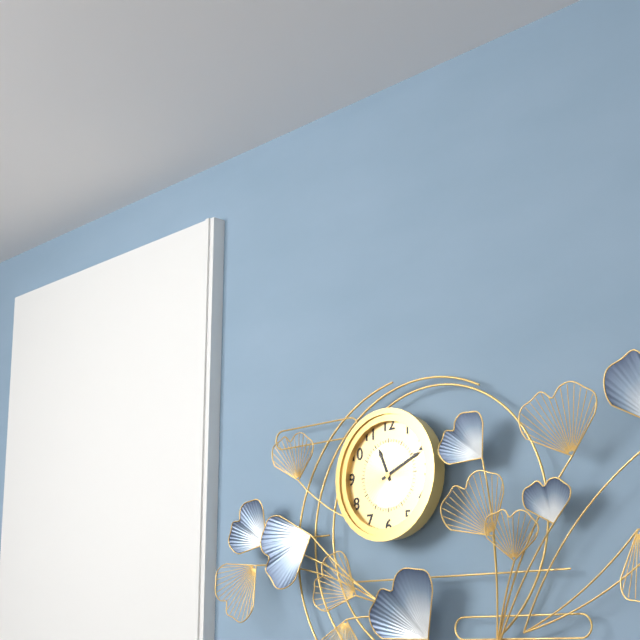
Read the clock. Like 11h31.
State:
11h11
